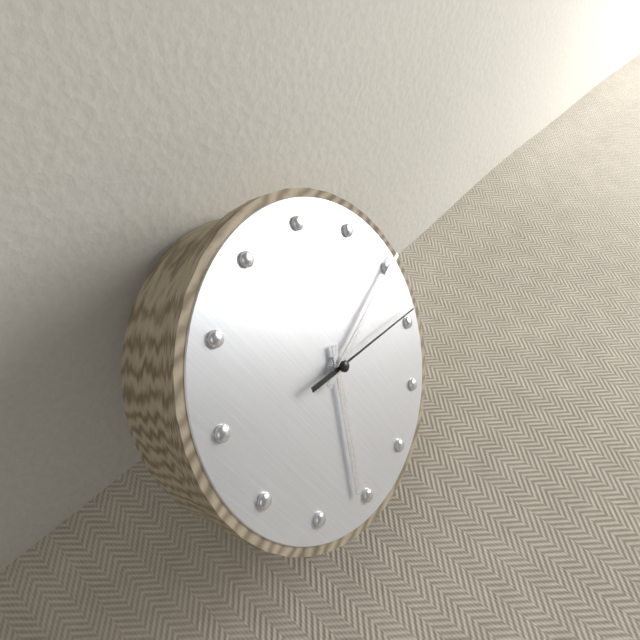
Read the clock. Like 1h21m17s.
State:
7h15m19s
